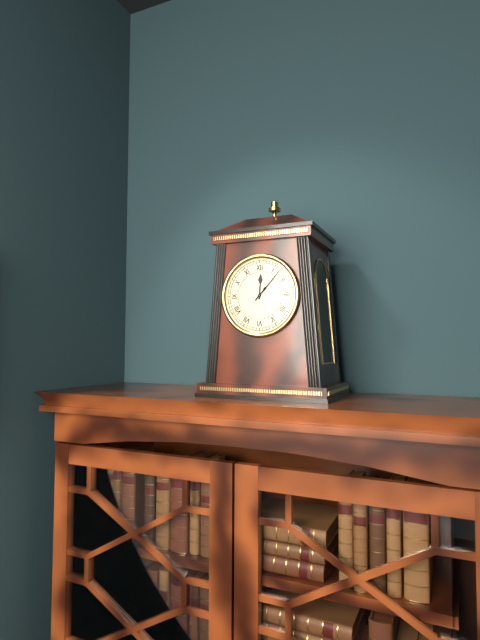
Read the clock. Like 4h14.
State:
12h07
